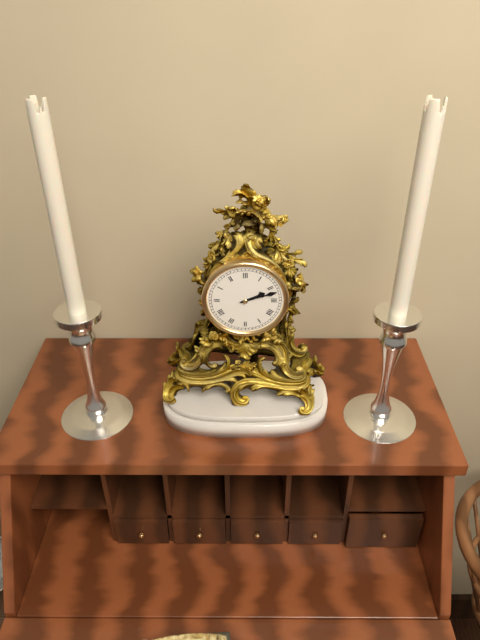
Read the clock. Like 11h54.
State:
2h12
